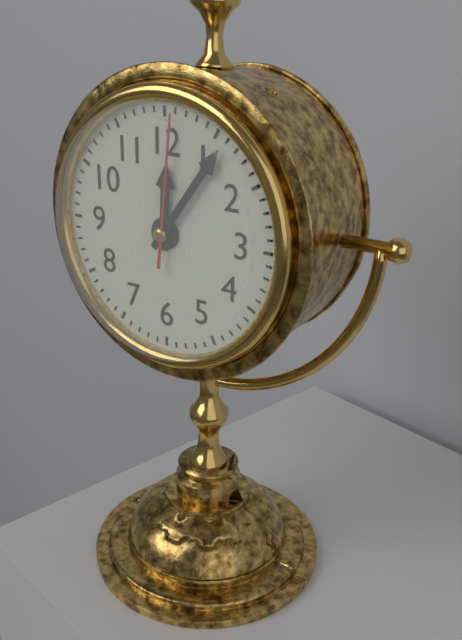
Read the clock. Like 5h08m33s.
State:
12h06m01s
